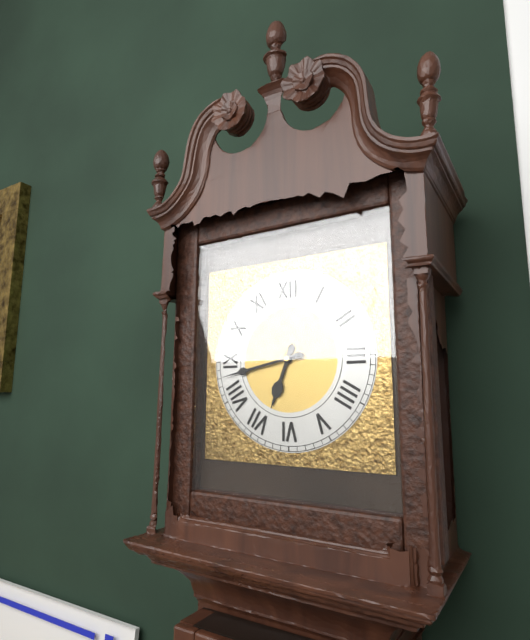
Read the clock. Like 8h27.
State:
6h43
